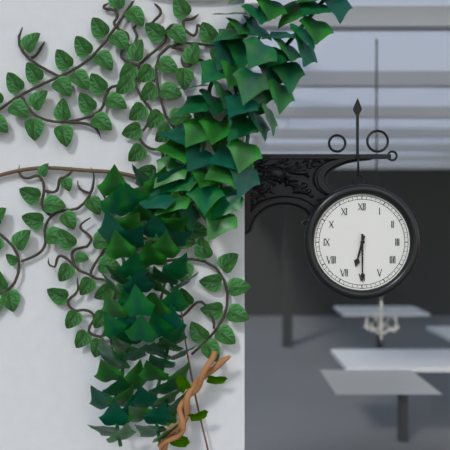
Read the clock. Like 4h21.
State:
6h30
